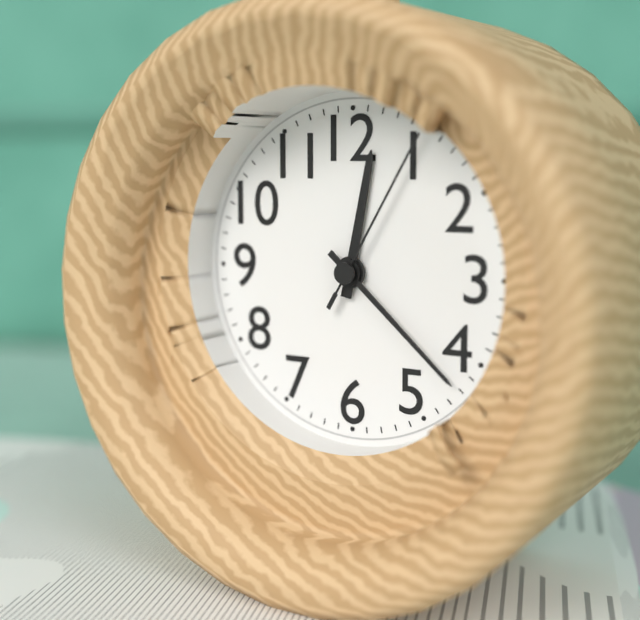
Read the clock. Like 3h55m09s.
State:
12h22m05s
